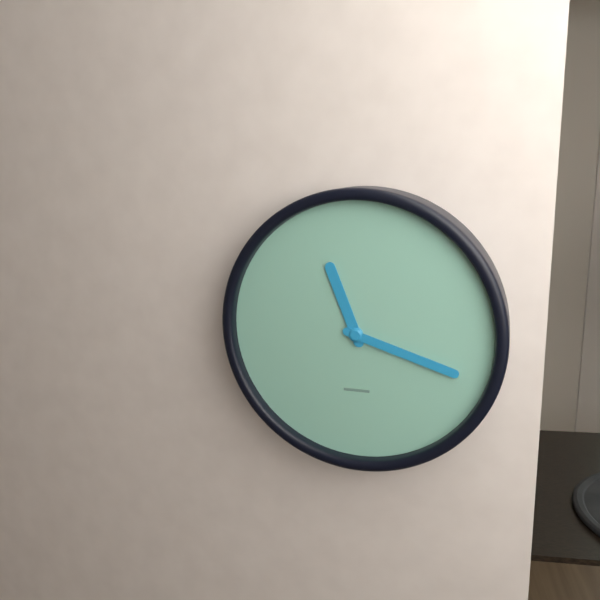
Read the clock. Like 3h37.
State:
11h18
